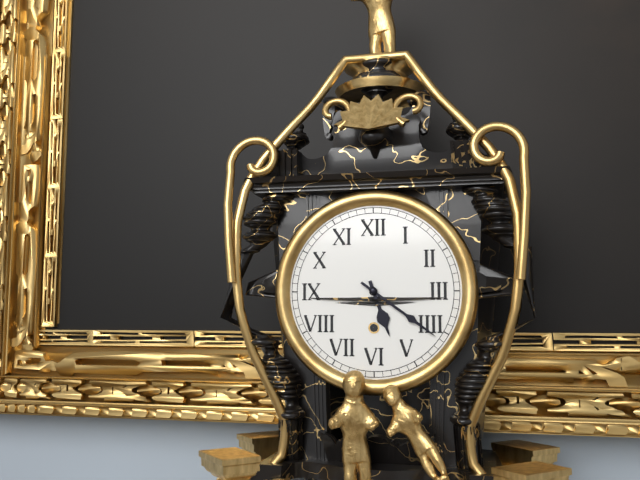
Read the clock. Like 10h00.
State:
5h21
